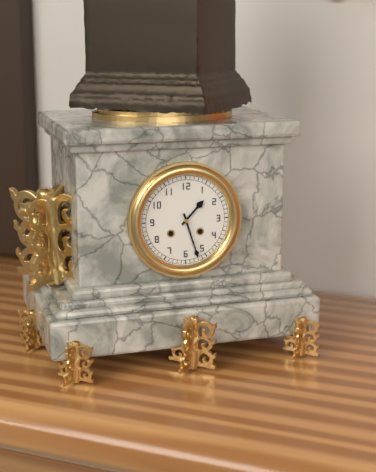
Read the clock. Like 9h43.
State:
1h27
